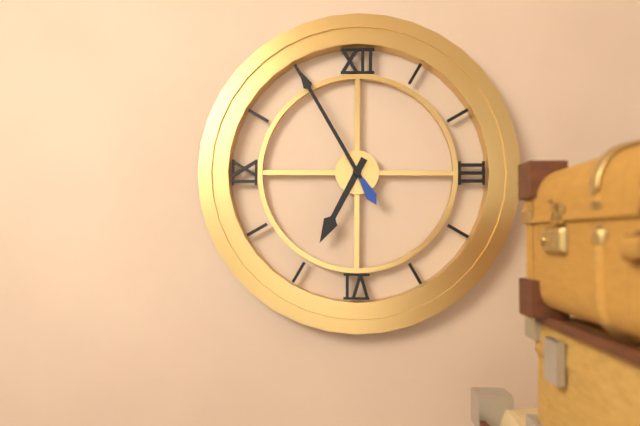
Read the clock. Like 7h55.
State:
6h55
